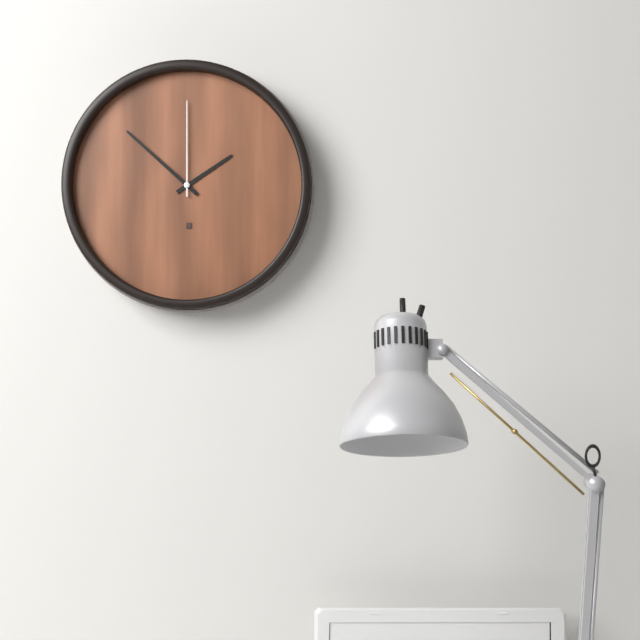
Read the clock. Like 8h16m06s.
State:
1h52m00s
